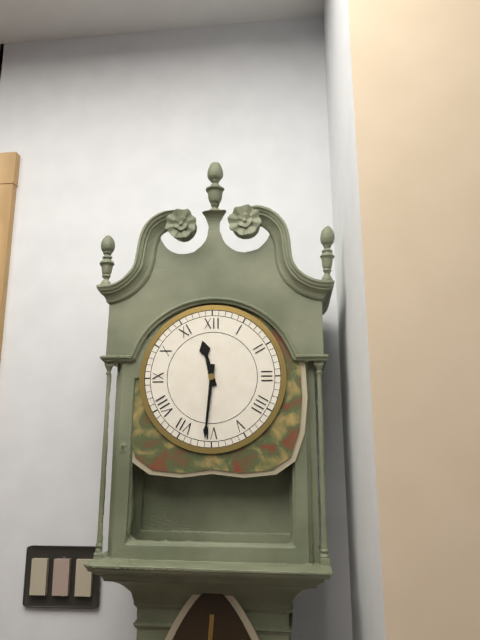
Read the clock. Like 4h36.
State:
11h31
